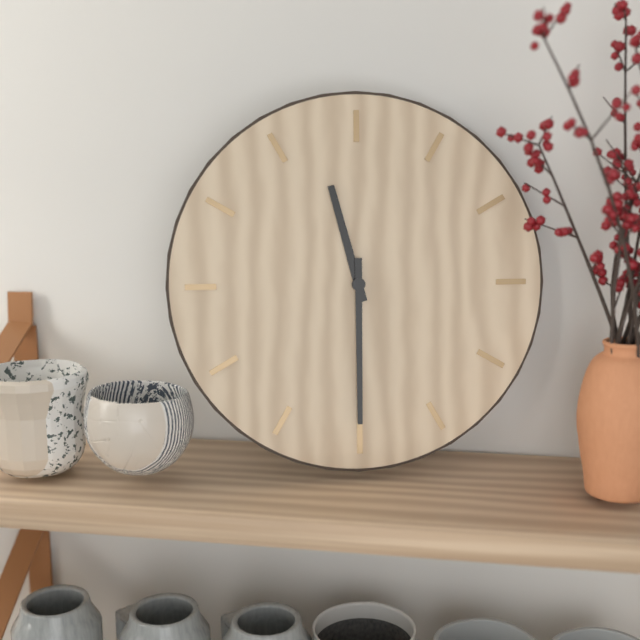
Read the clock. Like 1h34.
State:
11h30
